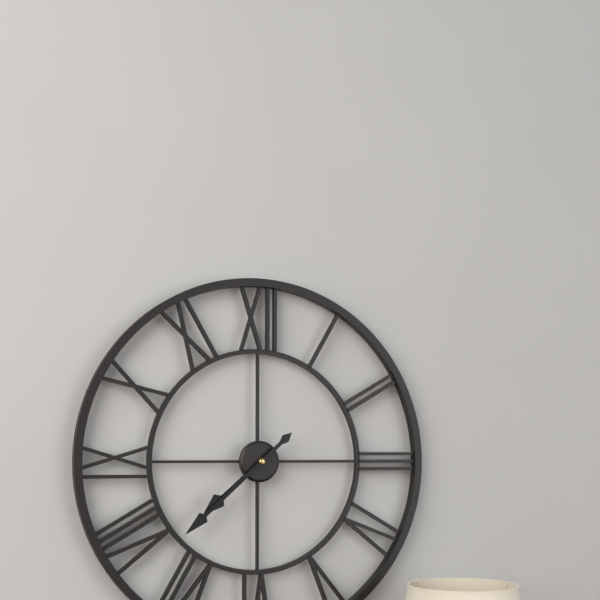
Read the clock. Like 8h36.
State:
7h38
